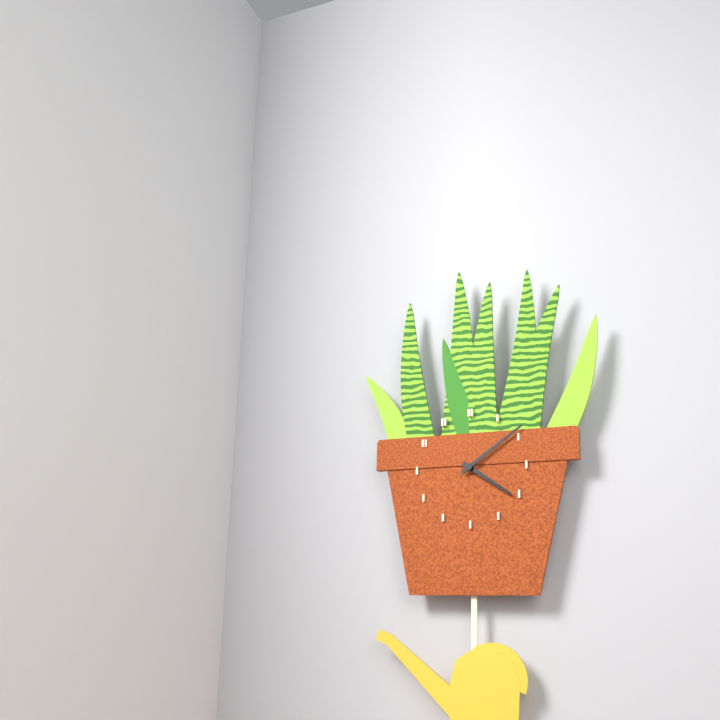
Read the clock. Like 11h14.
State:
4h09
